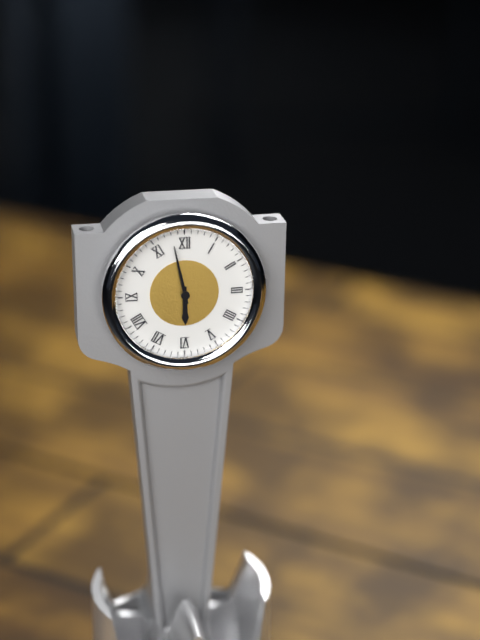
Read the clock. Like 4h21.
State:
5h58
